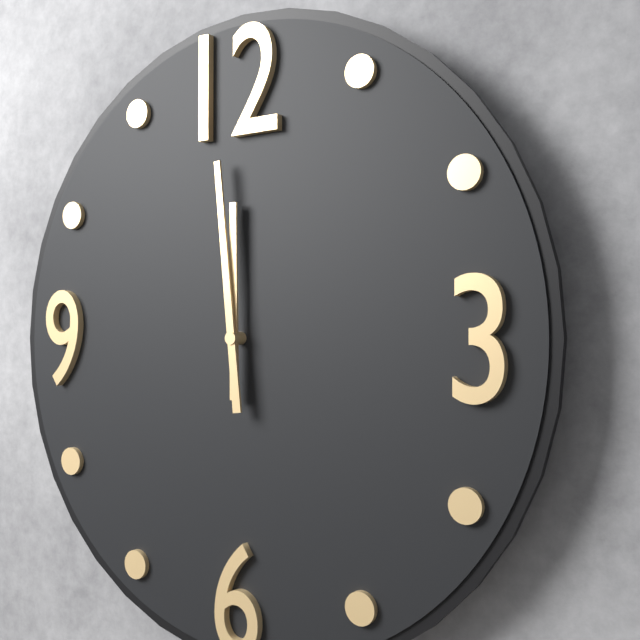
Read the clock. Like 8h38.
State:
11h59
